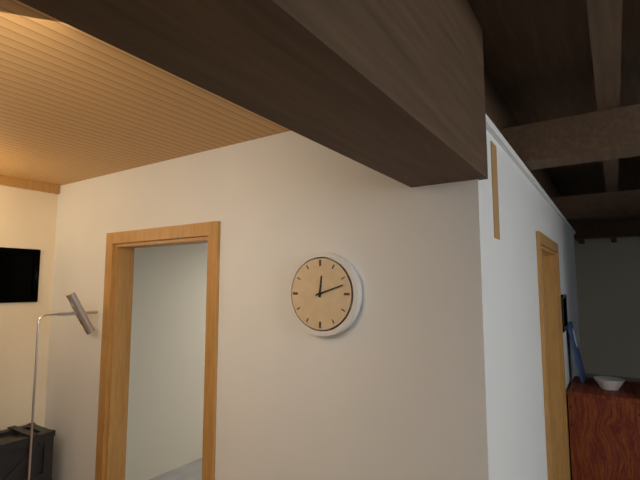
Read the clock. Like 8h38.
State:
12h12
